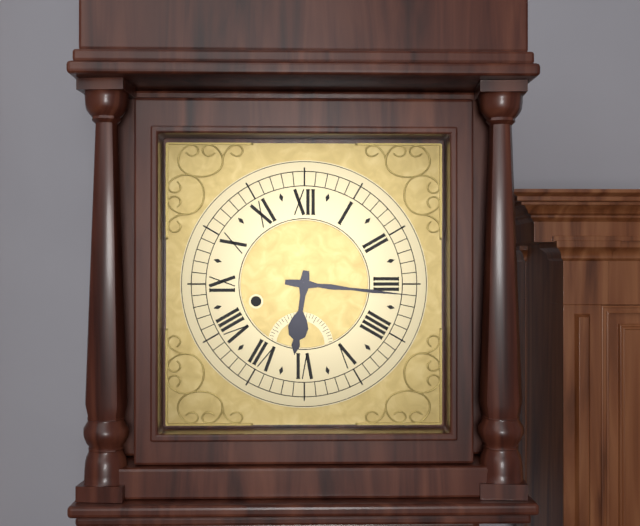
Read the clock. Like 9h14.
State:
6h16
